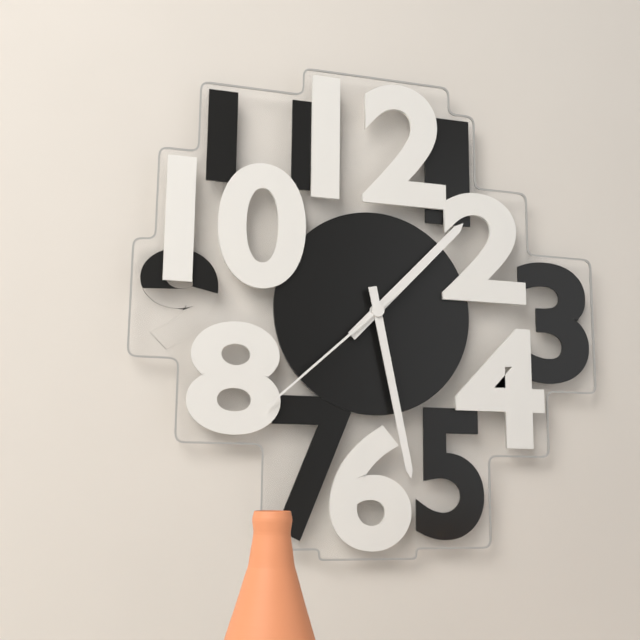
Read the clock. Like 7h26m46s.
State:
1h28m38s
